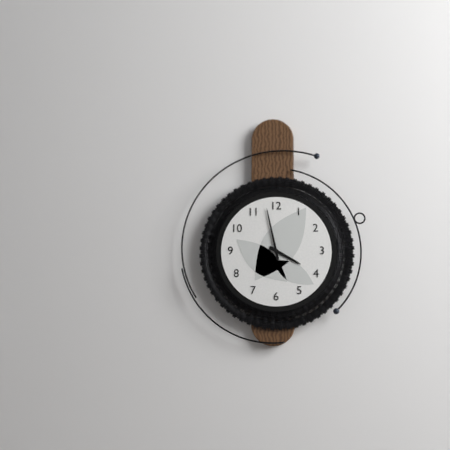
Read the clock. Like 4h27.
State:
3h58
